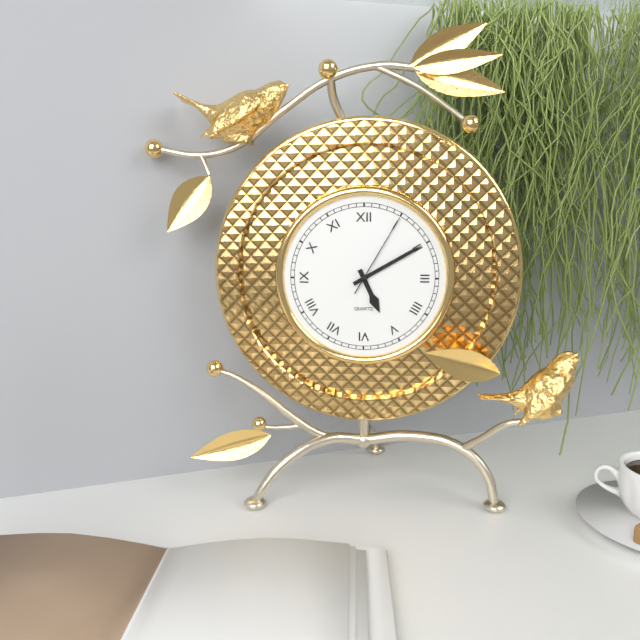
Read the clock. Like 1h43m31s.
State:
5h10m05s
